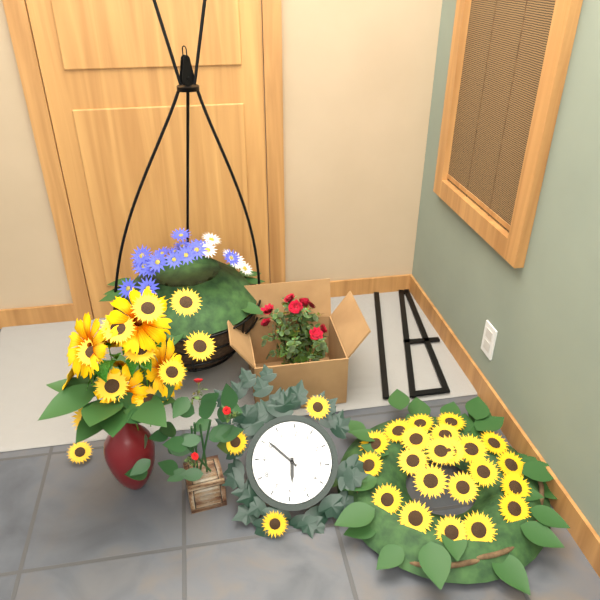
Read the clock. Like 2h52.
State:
5h51
